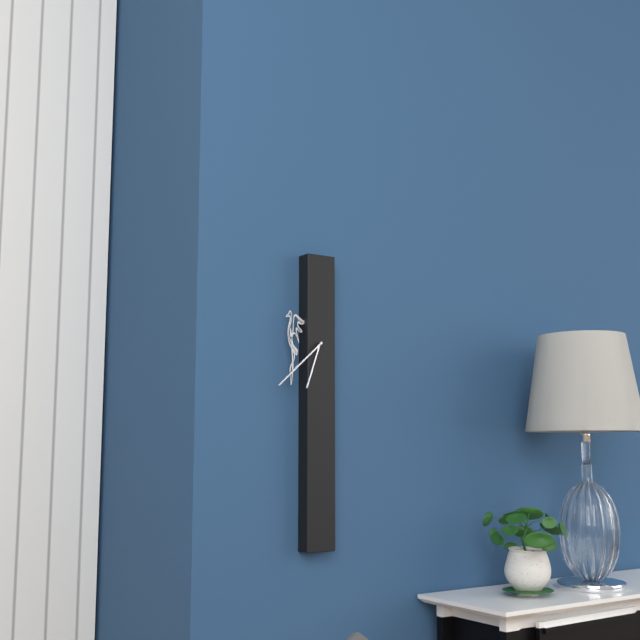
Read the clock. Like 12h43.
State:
6h38
